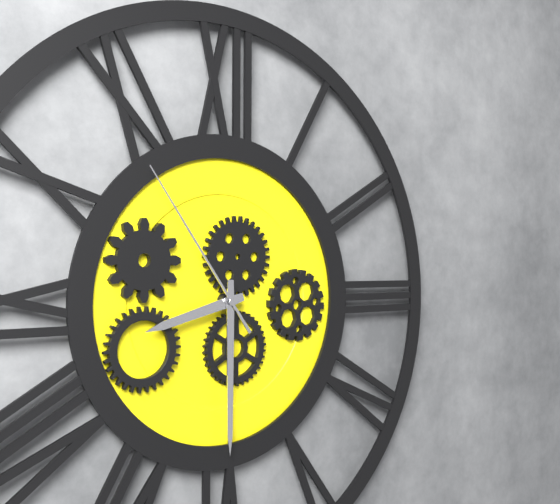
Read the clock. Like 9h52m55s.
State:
8h30m54s
